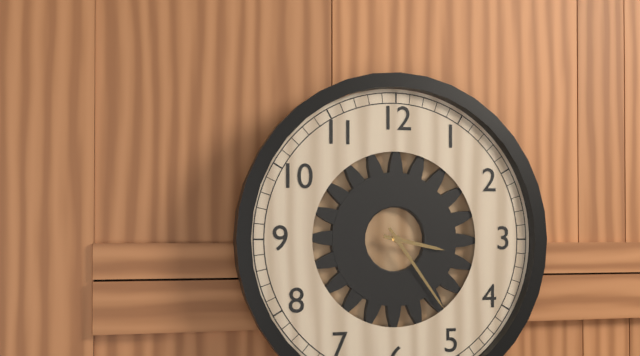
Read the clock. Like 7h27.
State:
3h24
